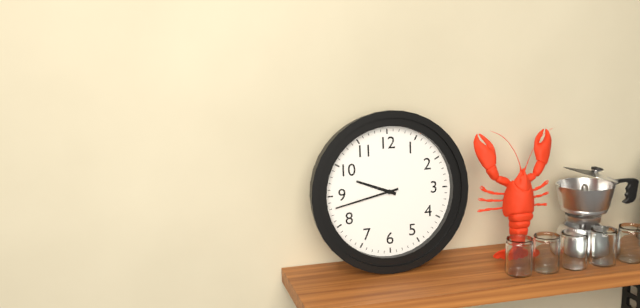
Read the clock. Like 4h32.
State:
9h43
